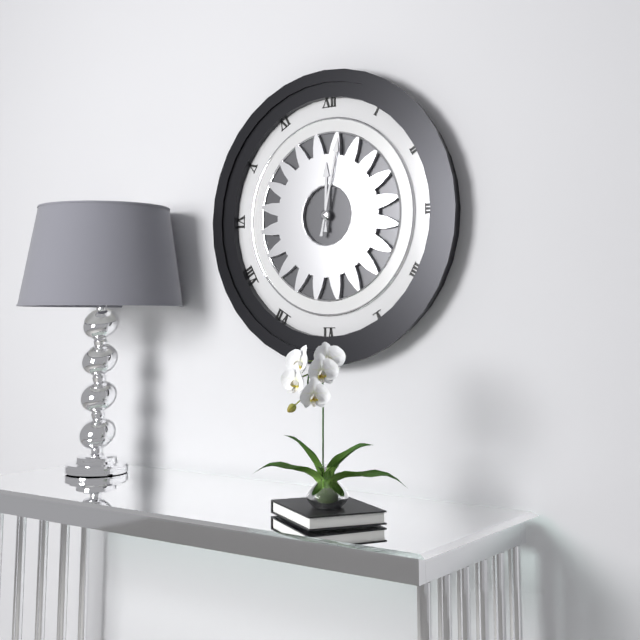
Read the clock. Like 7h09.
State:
12h02
